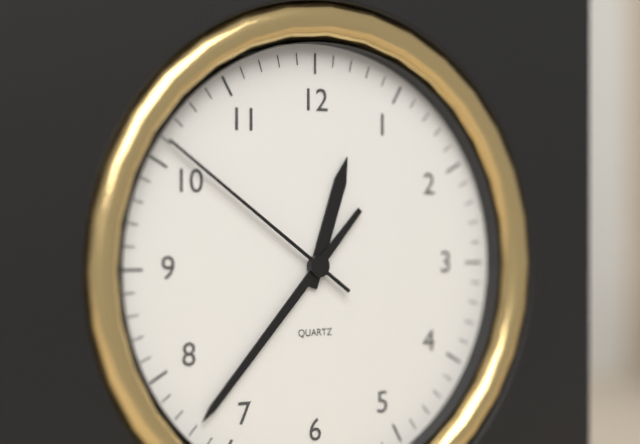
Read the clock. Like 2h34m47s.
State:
12h37m51s
